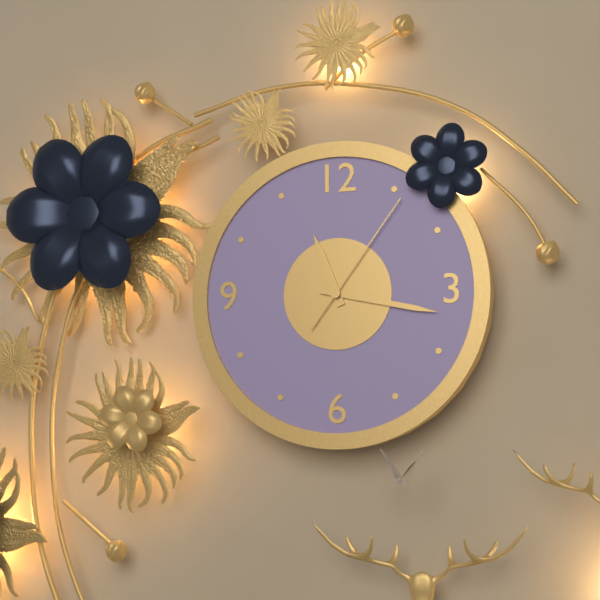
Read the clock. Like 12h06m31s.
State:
11h17m06s
